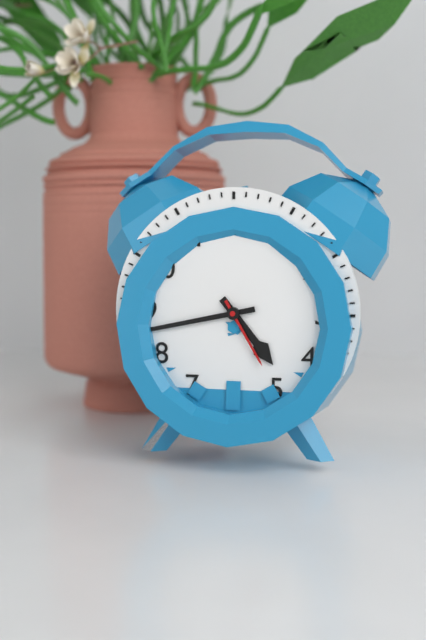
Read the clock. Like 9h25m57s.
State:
4h43m25s
